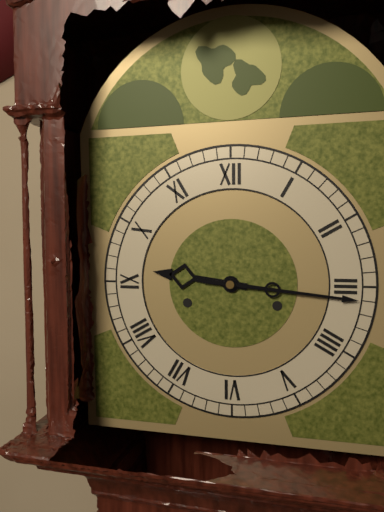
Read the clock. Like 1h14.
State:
9h16
